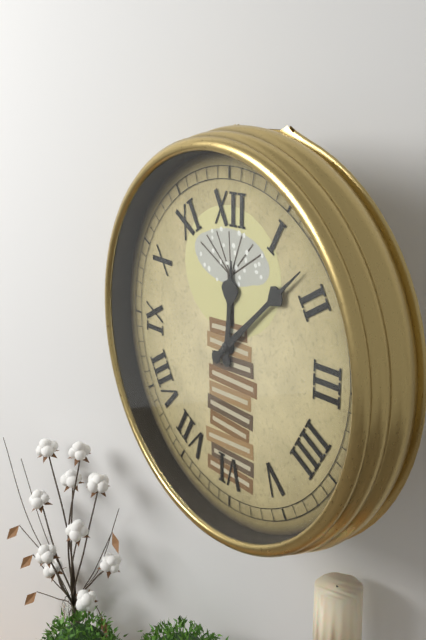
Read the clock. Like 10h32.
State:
12h08
